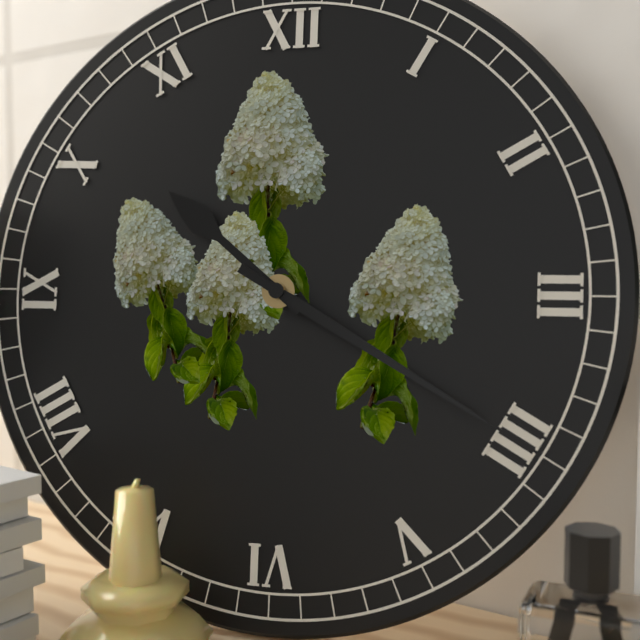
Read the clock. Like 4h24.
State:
10h20
